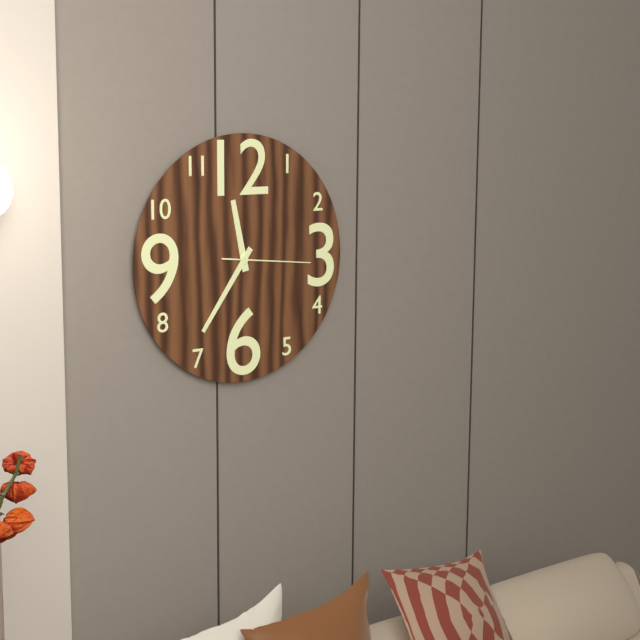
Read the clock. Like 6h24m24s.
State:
11h36m16s
